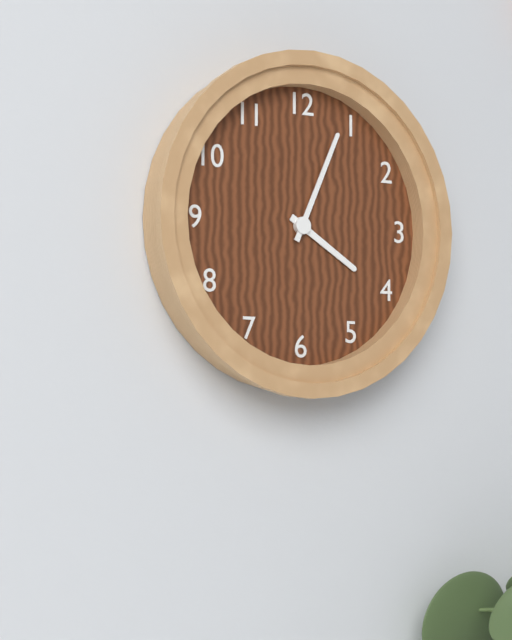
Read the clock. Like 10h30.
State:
4h04
